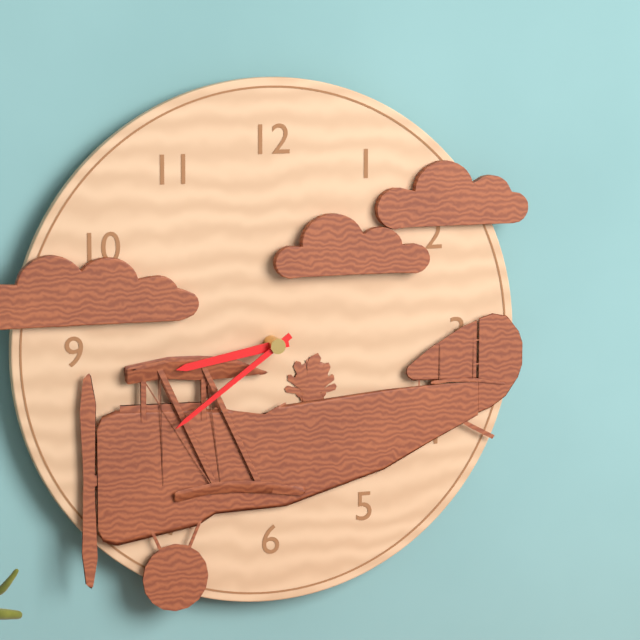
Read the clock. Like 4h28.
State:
8h39
